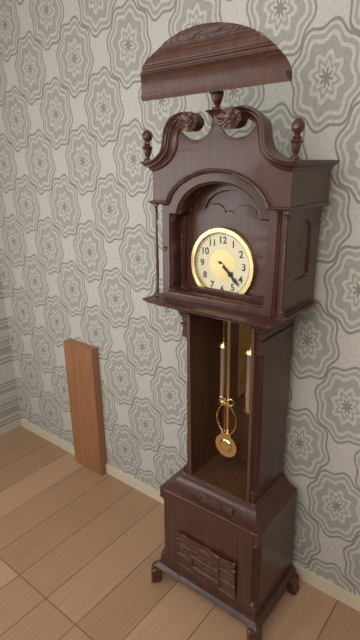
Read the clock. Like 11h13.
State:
4h22
